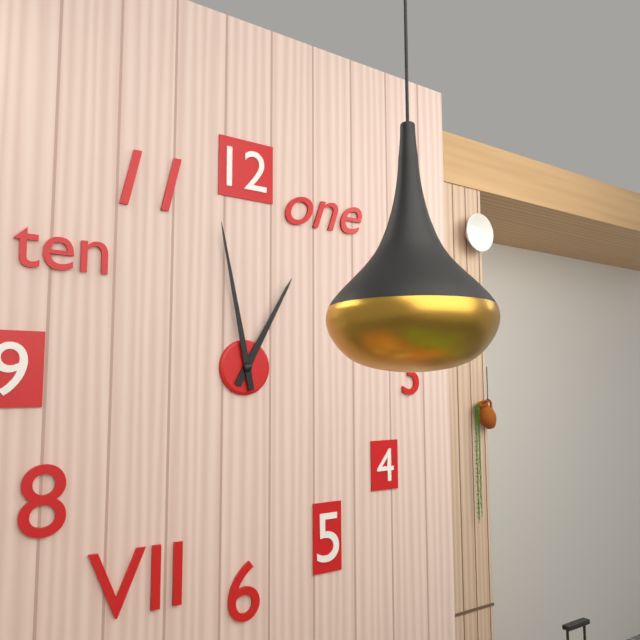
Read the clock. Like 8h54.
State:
12h58
